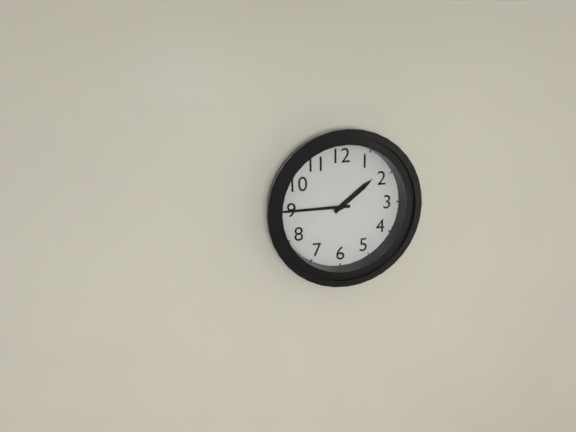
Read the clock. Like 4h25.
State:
1h45
